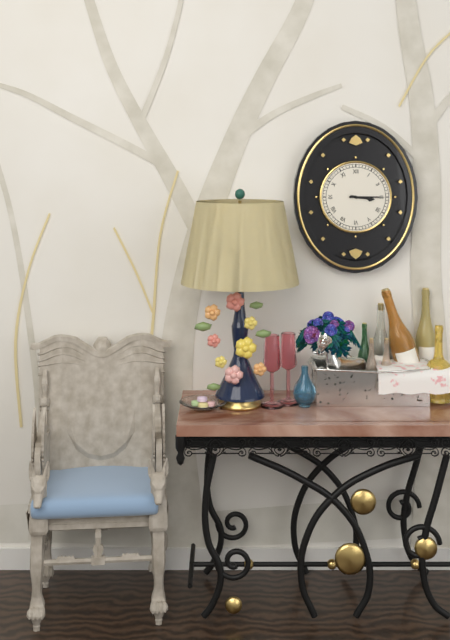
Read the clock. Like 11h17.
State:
3h15
